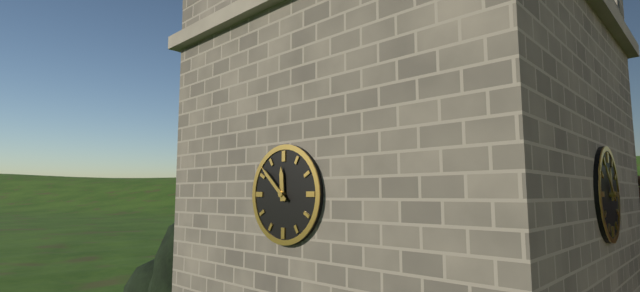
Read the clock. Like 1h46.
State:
11h52
